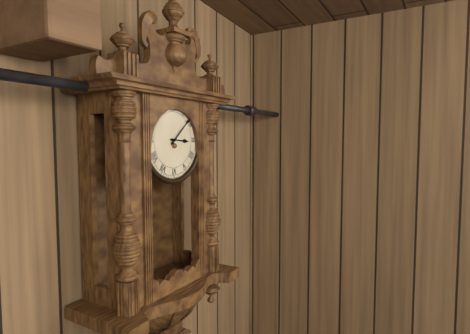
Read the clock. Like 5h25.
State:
3h08
